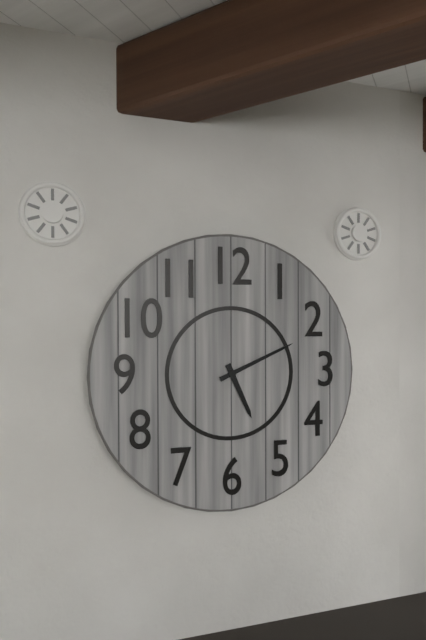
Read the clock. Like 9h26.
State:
5h11
